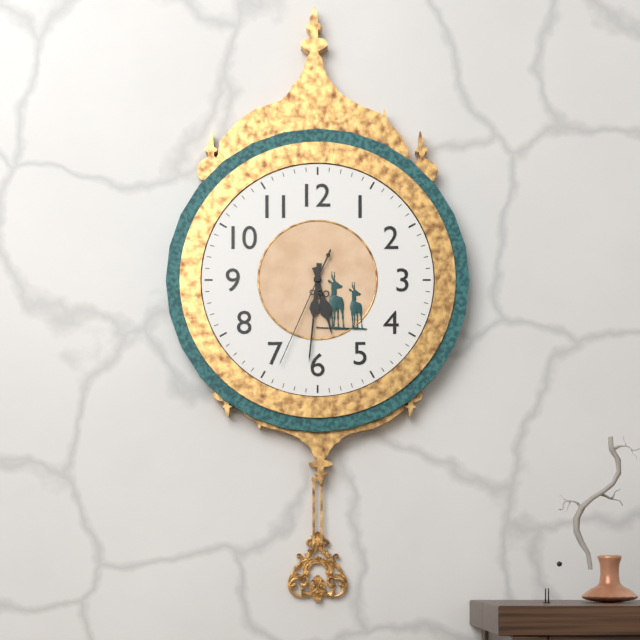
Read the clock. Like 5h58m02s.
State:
5h31m34s
